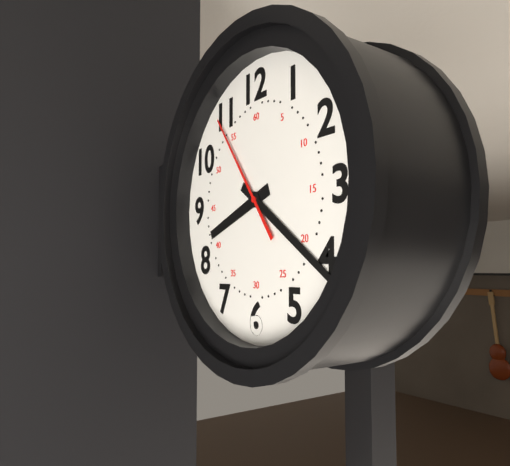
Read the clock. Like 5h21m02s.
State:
8h21m54s
